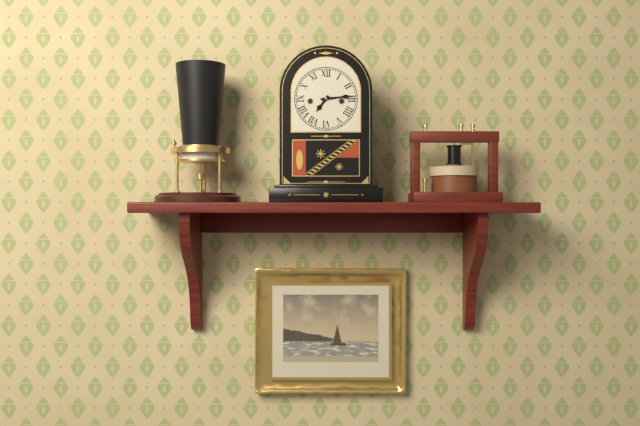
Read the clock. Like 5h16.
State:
7h14
